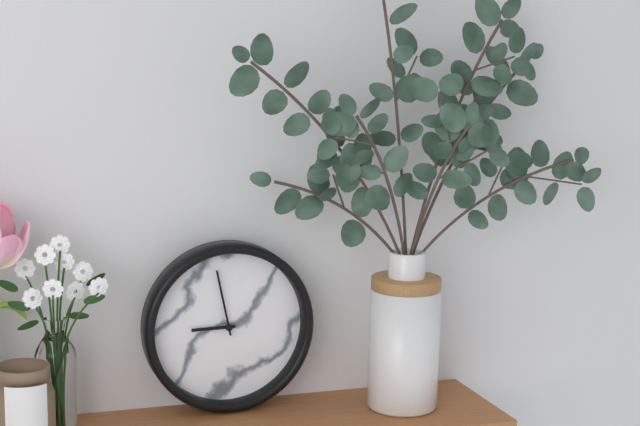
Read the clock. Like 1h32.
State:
8h58
